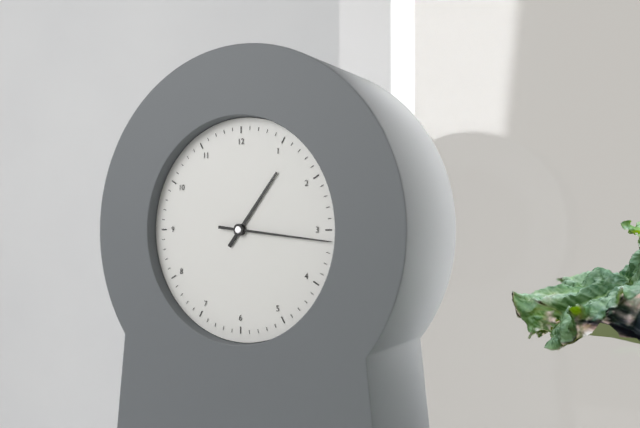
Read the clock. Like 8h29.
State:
1h16
